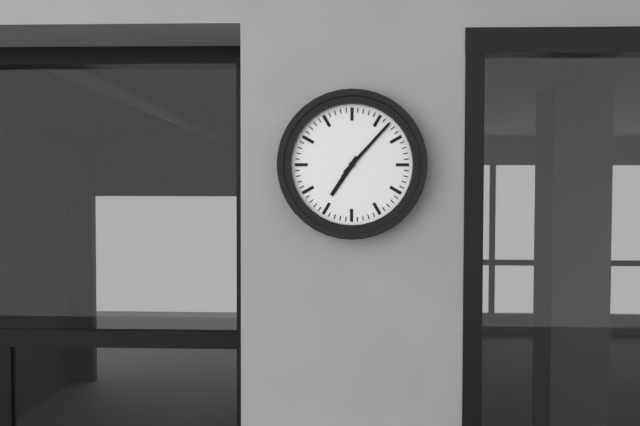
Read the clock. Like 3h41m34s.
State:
7h07m07s
